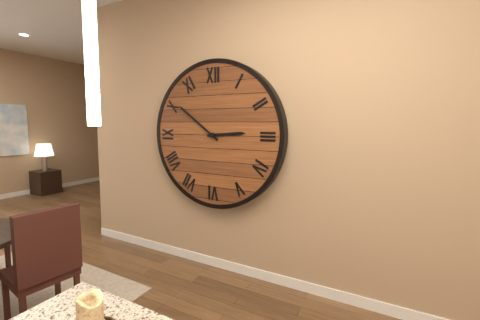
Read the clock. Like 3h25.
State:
2h51
